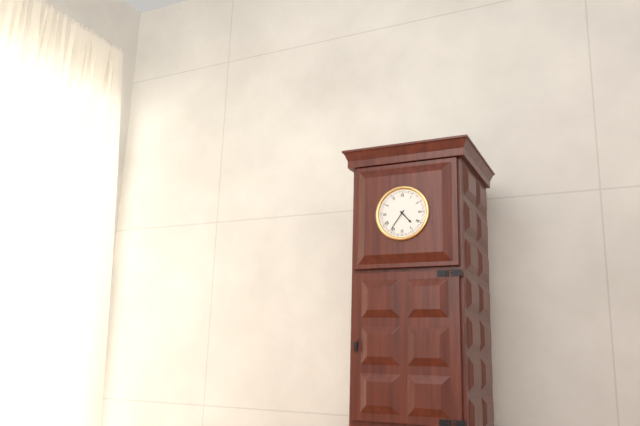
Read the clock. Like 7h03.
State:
4h36
